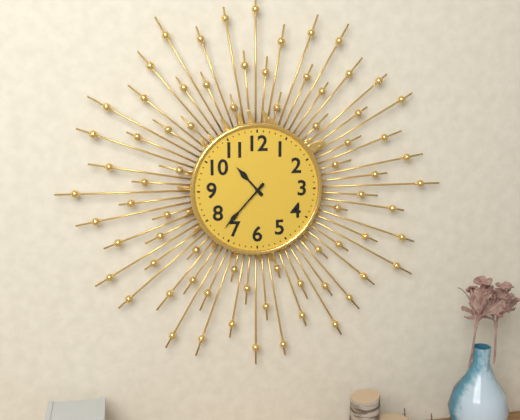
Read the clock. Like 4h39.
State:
10h37
